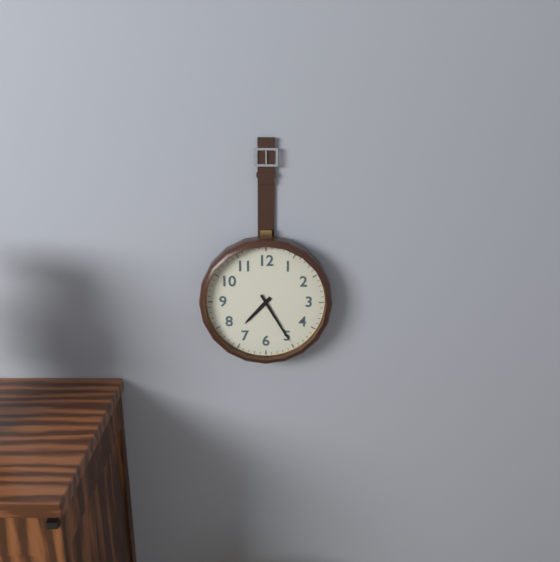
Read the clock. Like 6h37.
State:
7h25
